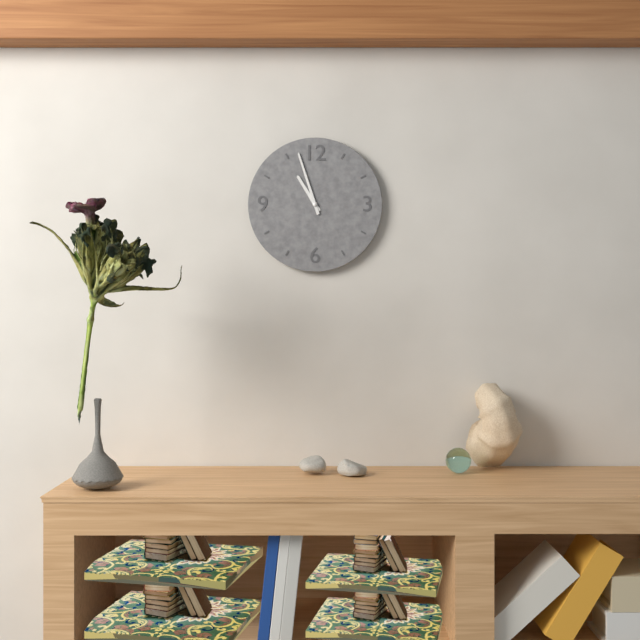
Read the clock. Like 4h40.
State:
10h57
